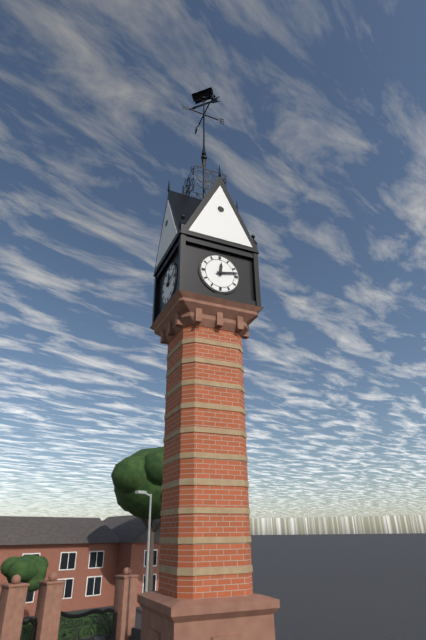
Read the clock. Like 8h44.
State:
12h13
